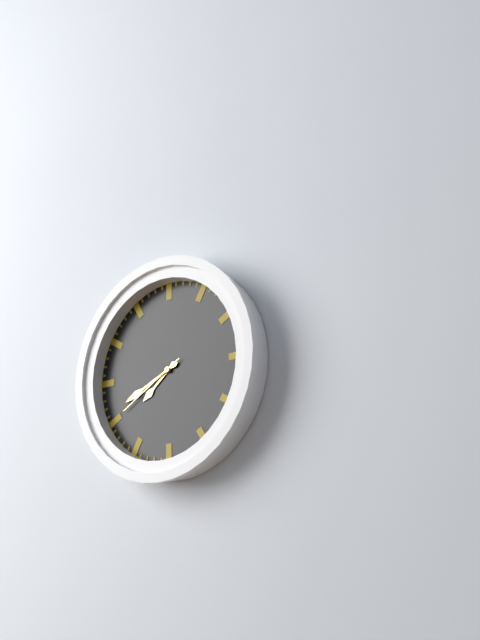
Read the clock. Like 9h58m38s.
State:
7h41m40s
